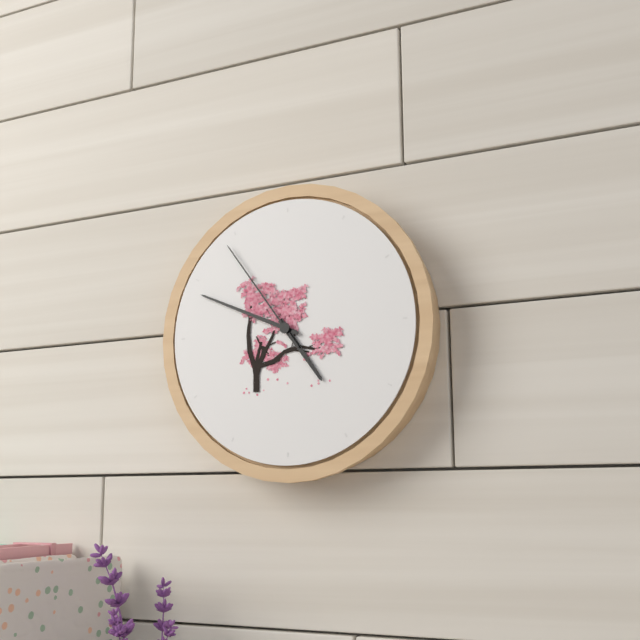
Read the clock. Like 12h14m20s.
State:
4h49m54s
